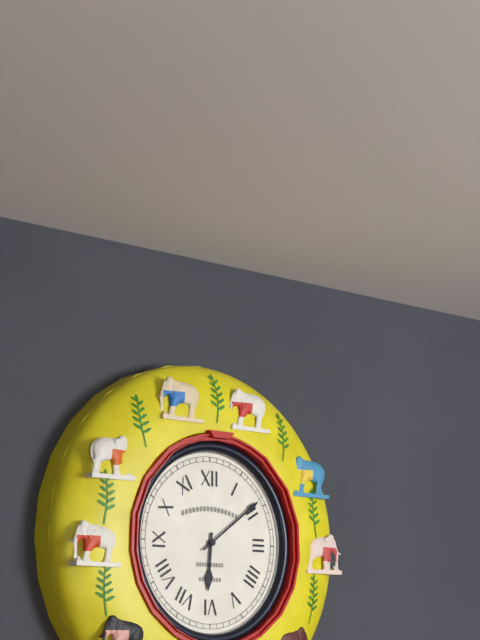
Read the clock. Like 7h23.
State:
6h09
